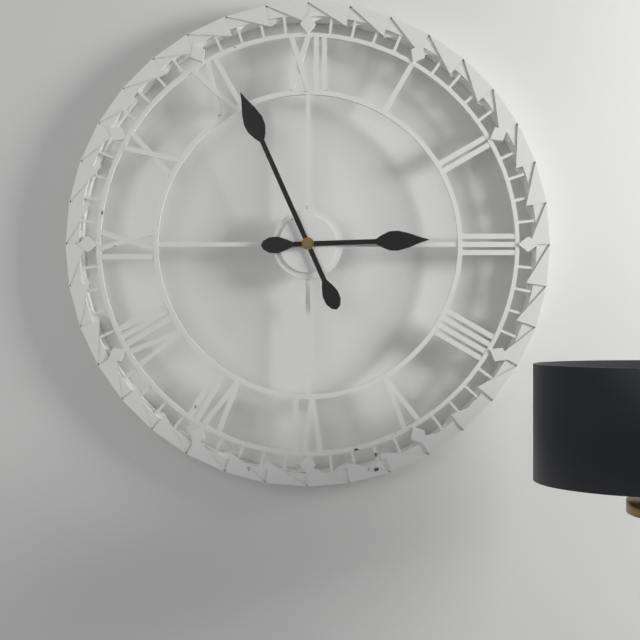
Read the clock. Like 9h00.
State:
2h56
